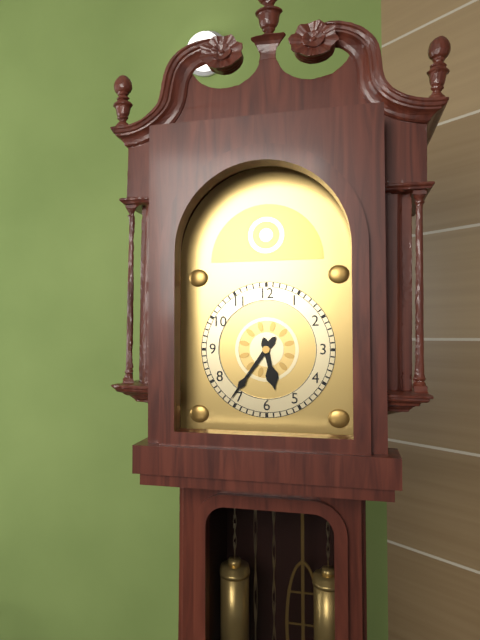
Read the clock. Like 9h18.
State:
5h36
